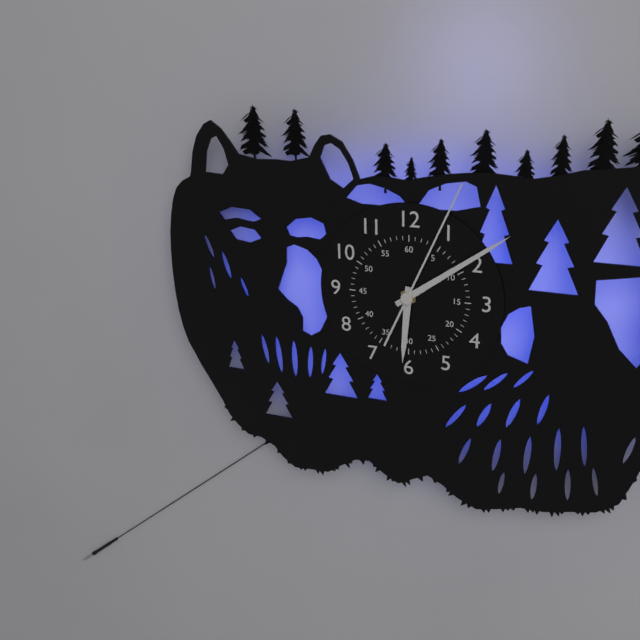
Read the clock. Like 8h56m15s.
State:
6h09m04s
